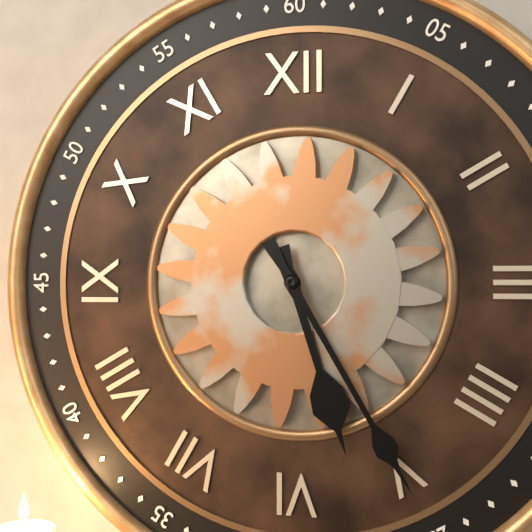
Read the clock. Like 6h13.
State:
5h25
